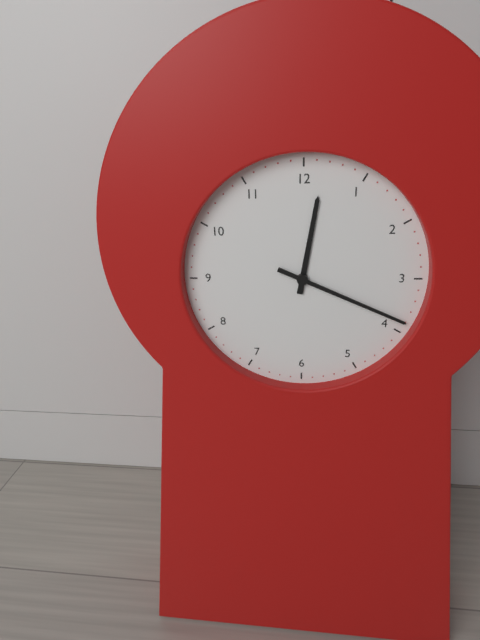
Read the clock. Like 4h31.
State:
12h19
